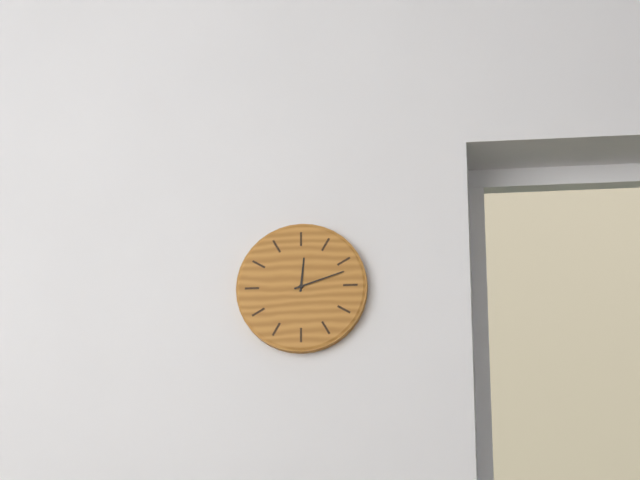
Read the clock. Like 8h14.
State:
12h12
